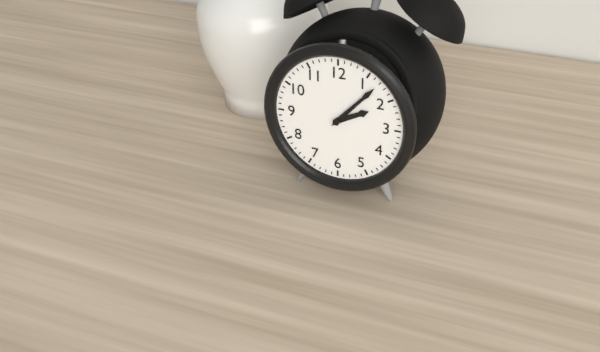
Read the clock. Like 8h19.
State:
2h07
